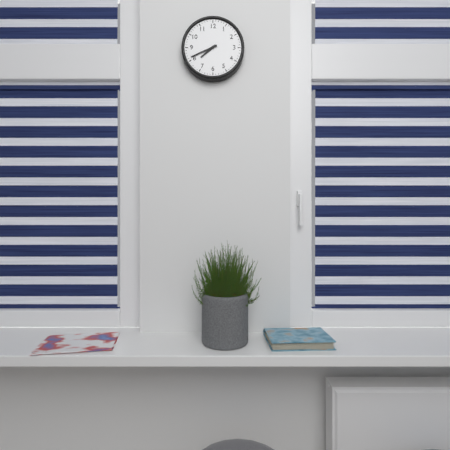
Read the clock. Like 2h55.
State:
7h41
